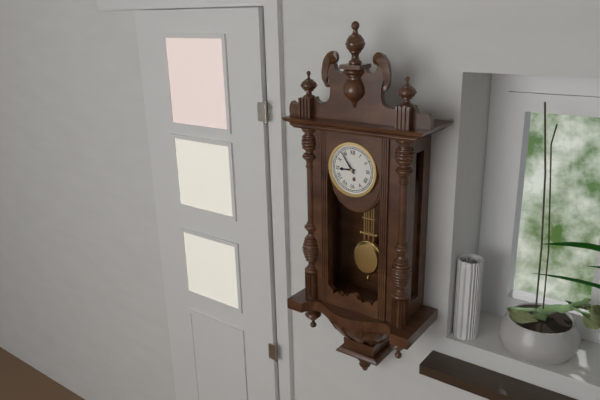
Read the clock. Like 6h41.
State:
8h54
